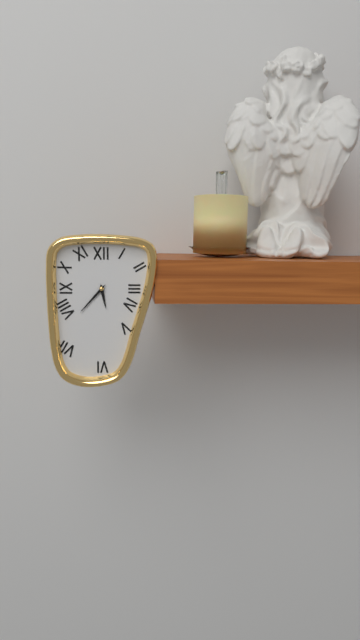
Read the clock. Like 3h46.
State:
5h37
